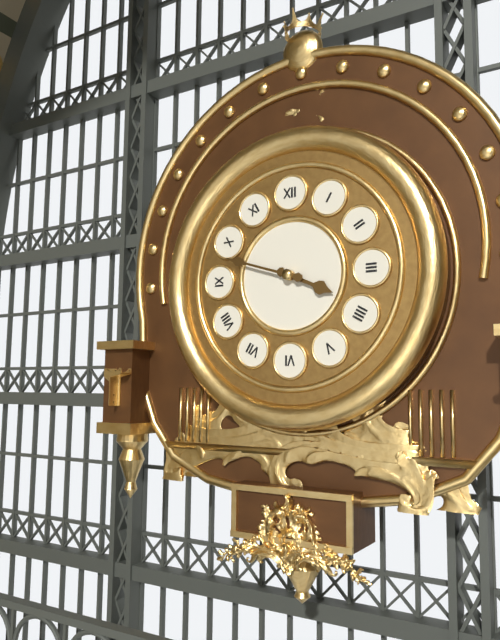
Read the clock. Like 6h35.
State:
3h48
